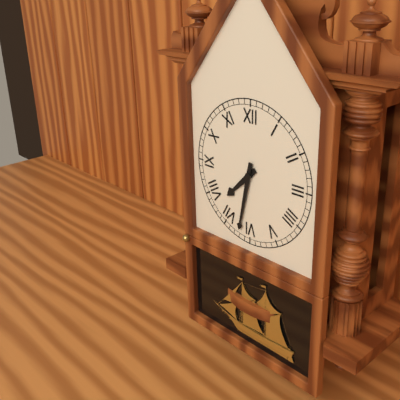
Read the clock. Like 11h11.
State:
7h32
